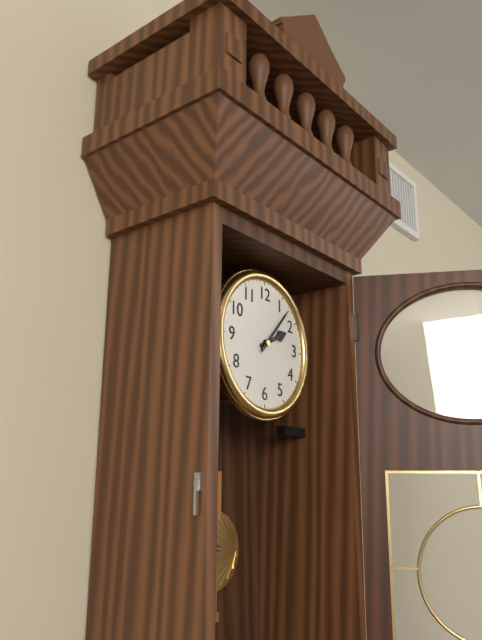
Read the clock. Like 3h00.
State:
2h07
